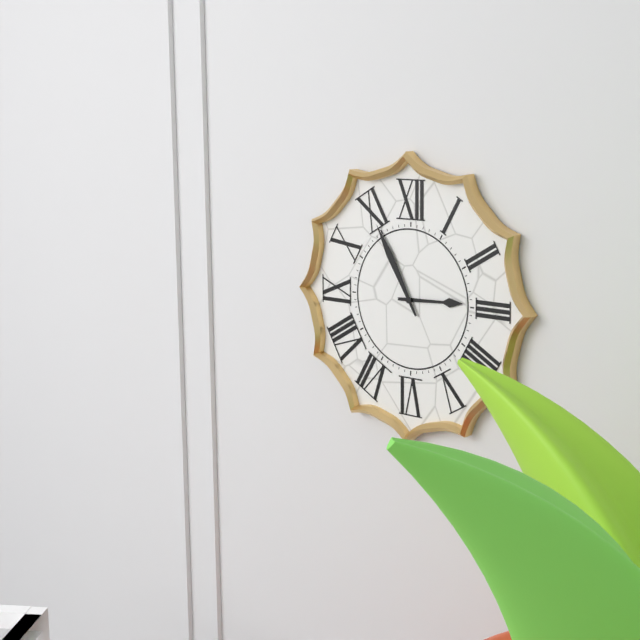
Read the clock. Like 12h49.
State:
2h55
